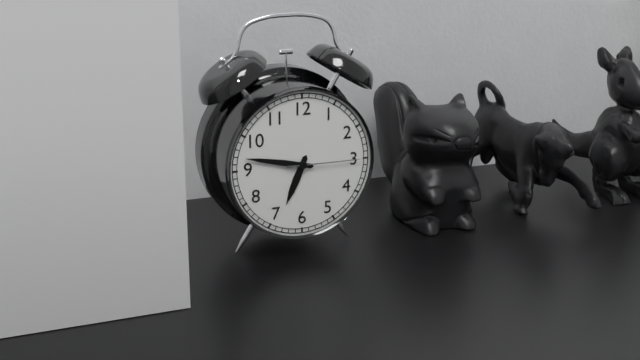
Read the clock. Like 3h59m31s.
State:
6h47m15s
